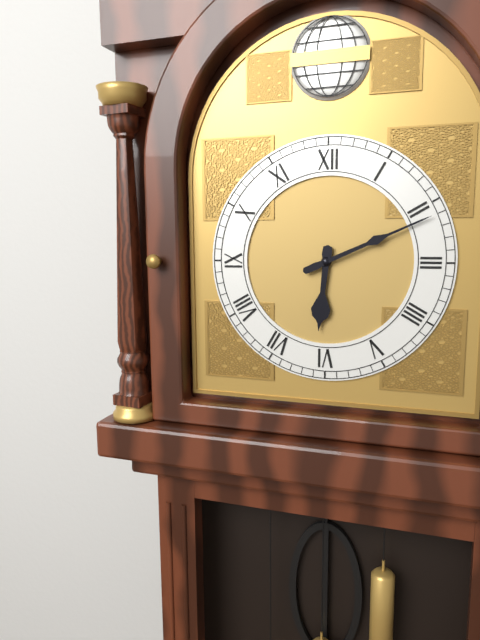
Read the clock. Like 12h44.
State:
6h11
